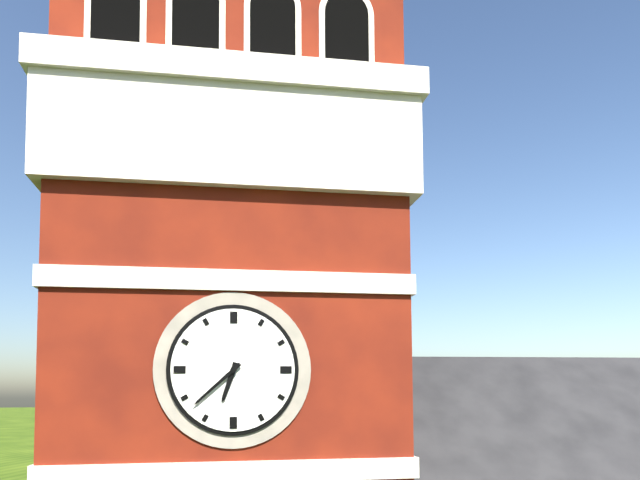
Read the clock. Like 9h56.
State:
6h38
